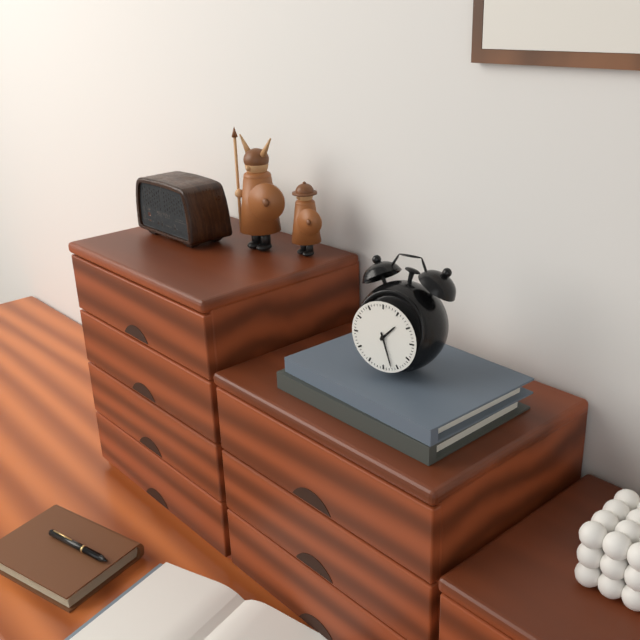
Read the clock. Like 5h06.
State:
1h27
